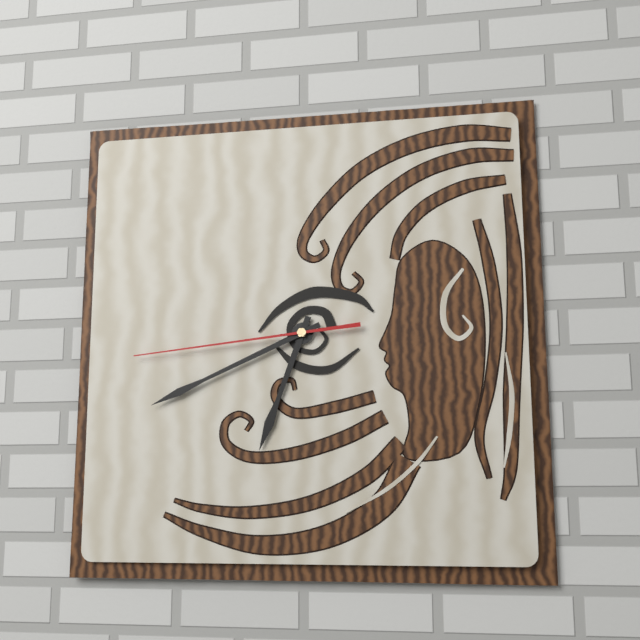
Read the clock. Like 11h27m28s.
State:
6h41m44s
